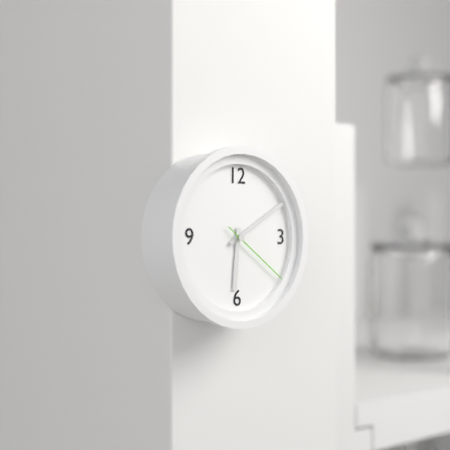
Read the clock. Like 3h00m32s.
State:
6h10m21s
